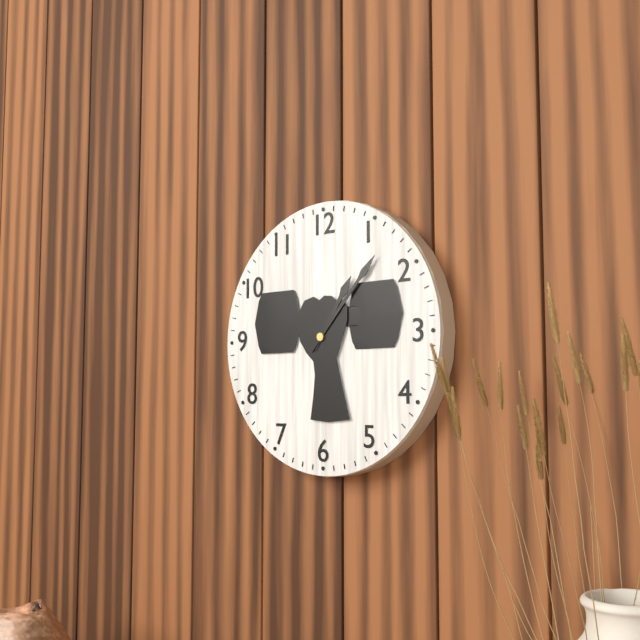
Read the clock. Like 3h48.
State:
1h07
